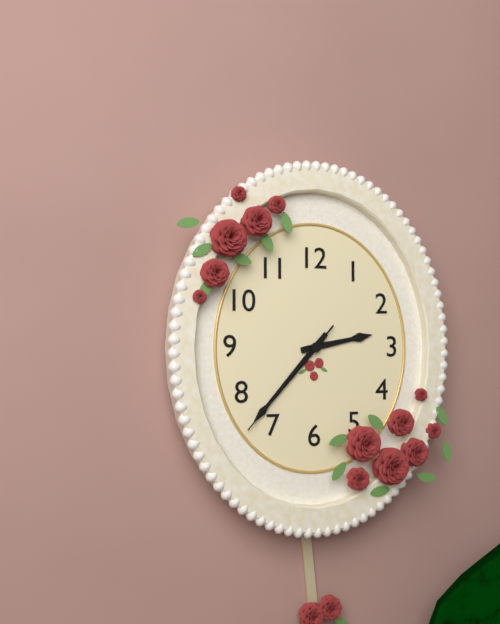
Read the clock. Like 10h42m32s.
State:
2h37m37s
